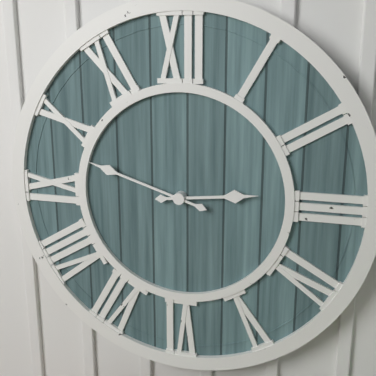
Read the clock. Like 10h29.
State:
2h48
